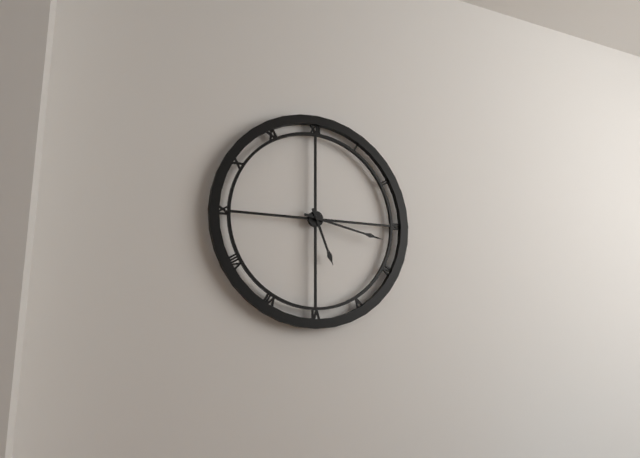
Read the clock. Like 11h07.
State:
5h17
